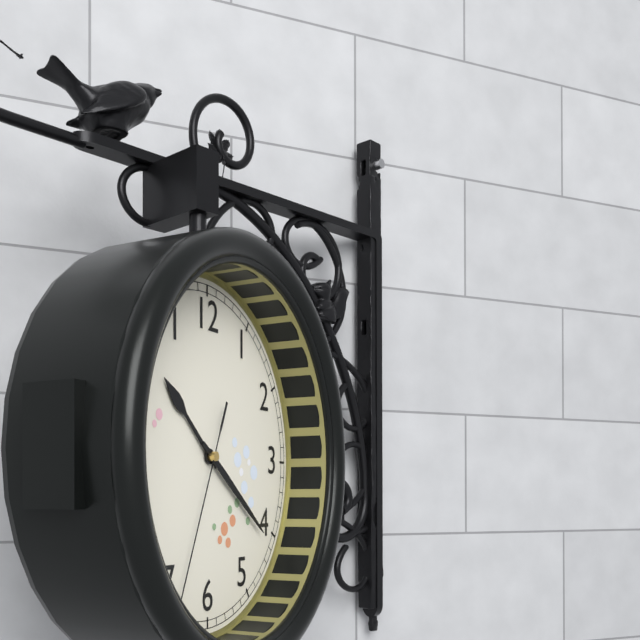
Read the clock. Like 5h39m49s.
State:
10h21m34s
